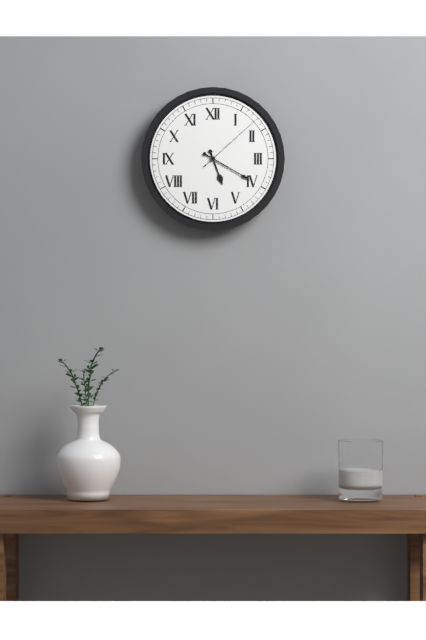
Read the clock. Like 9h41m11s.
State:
5h20m08s
